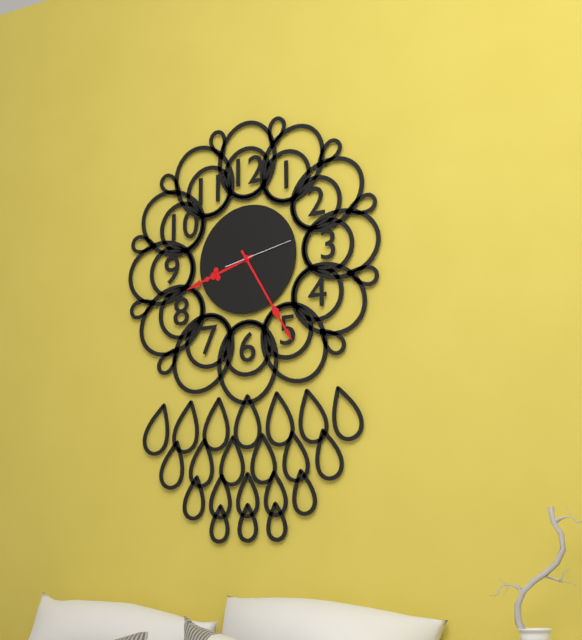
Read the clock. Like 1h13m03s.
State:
8h25m13s
